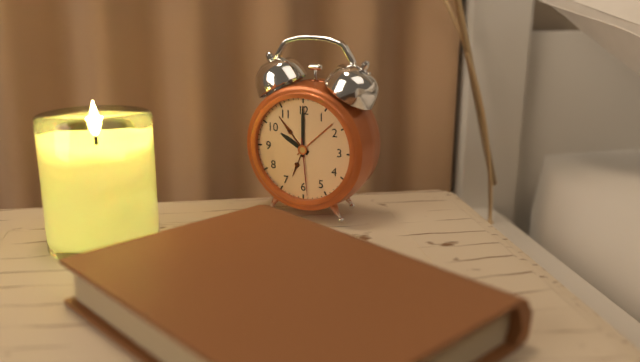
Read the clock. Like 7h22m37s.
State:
10h00m29s
